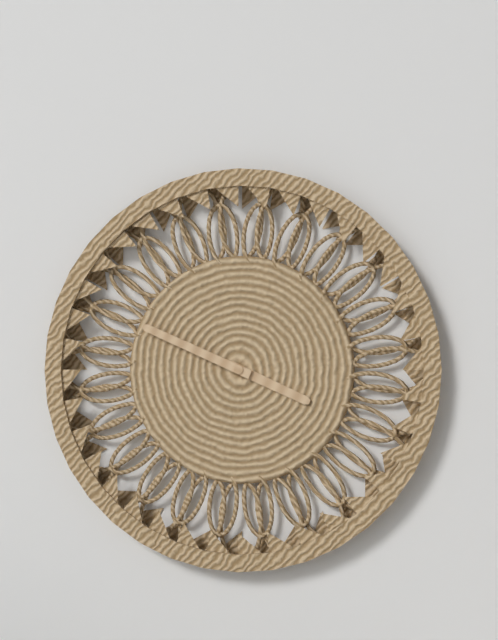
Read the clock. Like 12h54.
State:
3h49
